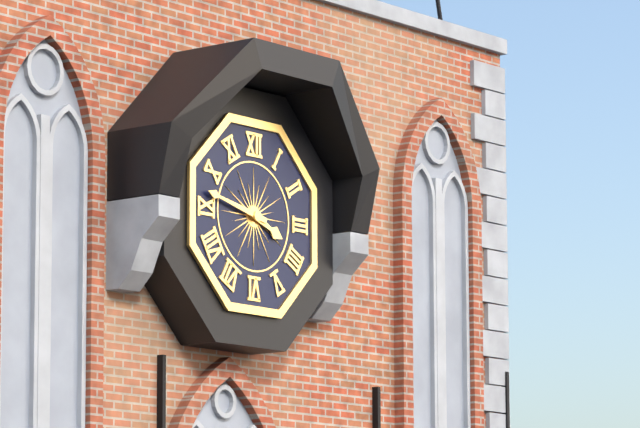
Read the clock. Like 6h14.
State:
3h47
